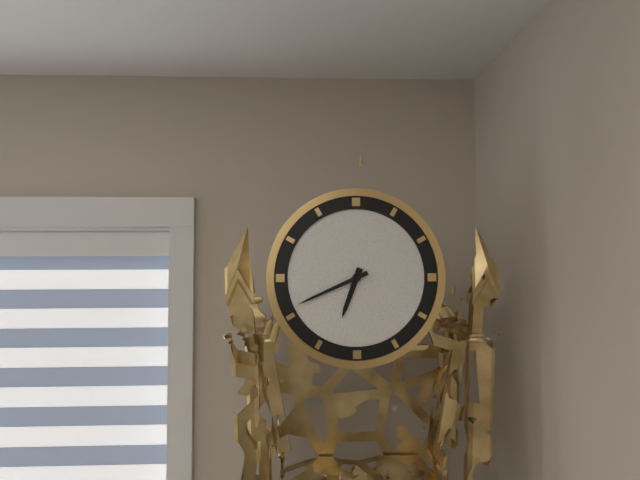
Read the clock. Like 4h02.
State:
6h41
